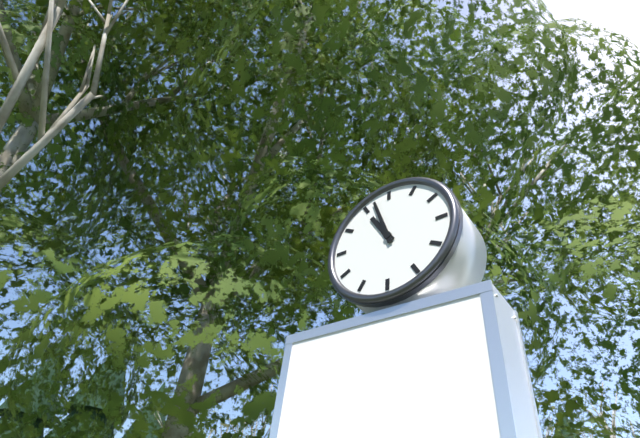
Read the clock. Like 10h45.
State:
10h57
